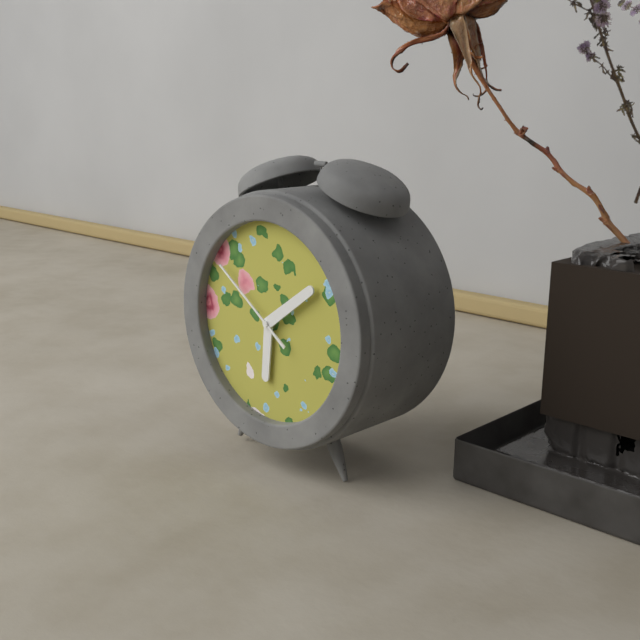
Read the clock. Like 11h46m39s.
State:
6h09m51s
